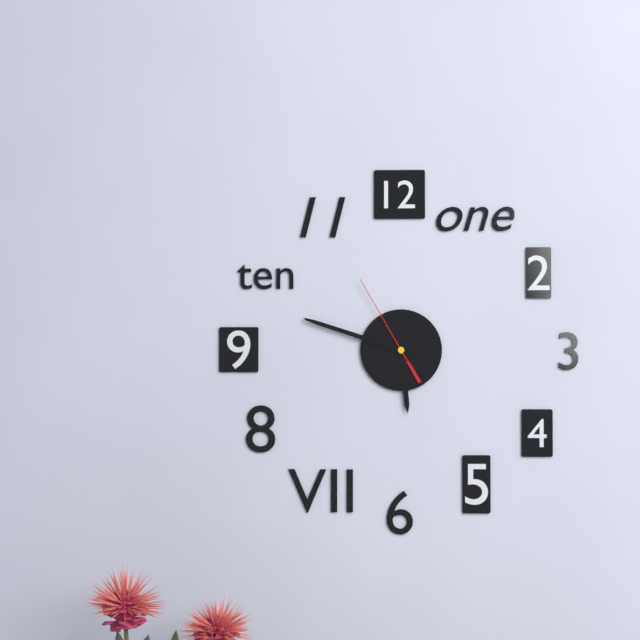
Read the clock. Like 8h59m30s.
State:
5h48m55s
